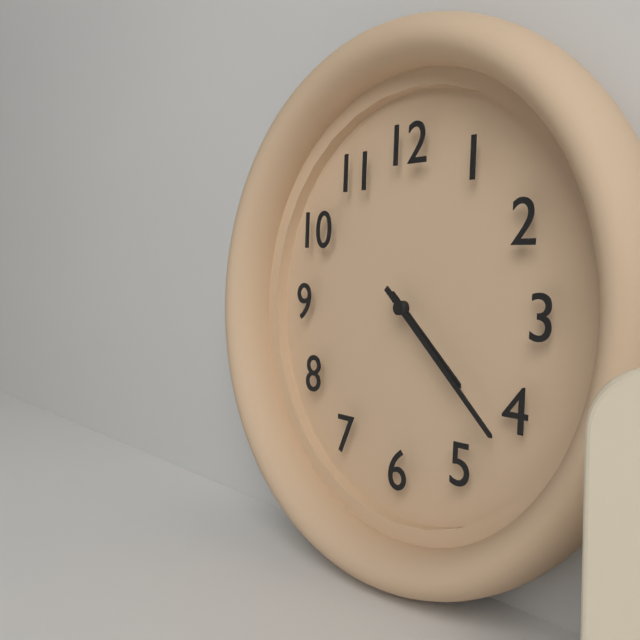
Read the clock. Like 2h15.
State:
4h22
